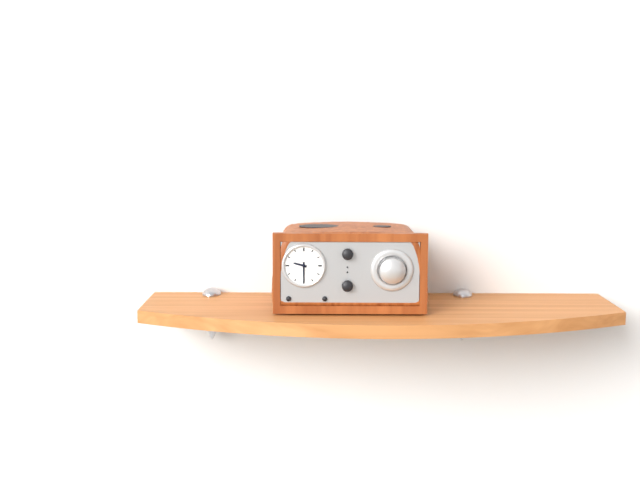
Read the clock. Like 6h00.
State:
9h30
